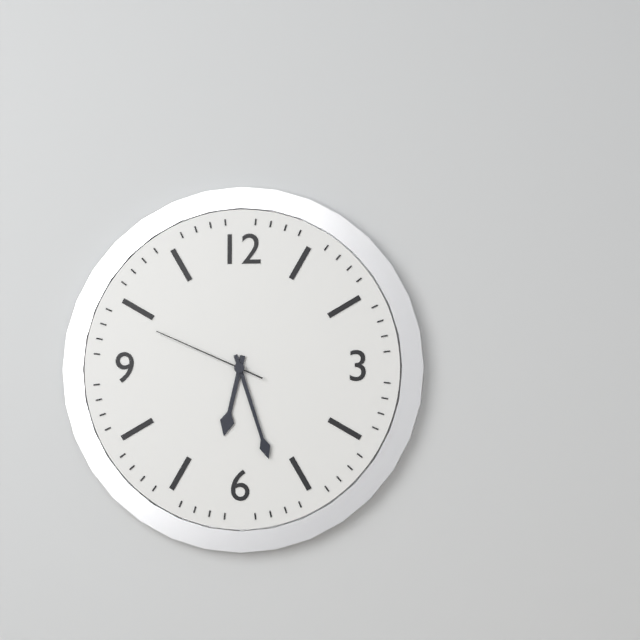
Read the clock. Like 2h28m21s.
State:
6h27m49s
